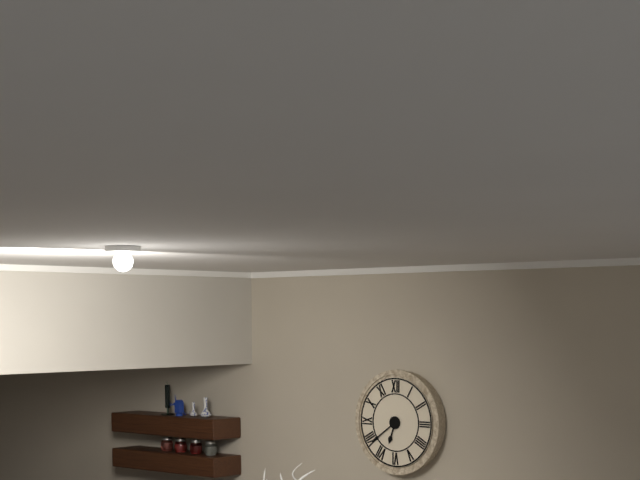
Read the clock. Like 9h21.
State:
6h39
